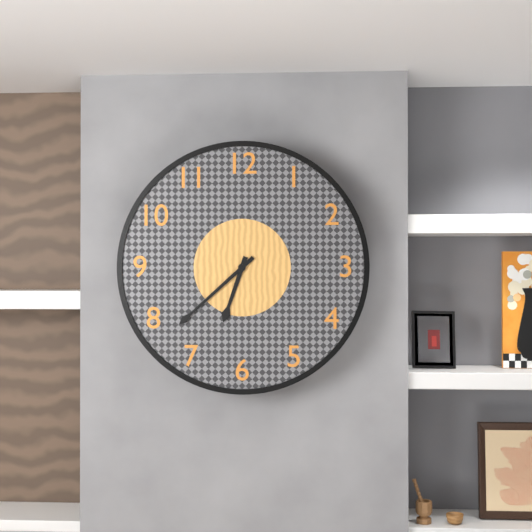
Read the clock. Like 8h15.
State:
6h38
